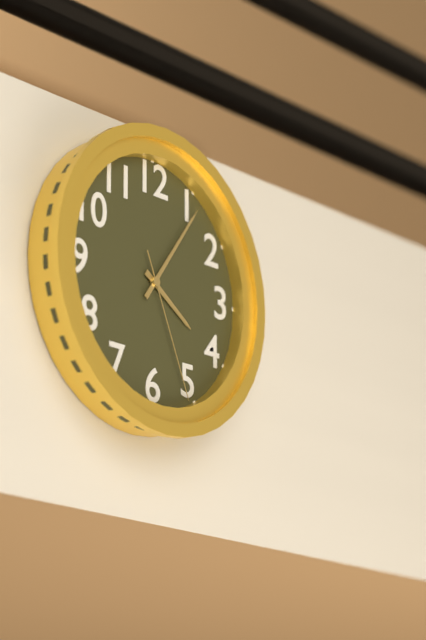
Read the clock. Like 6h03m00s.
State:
4h06m26s
